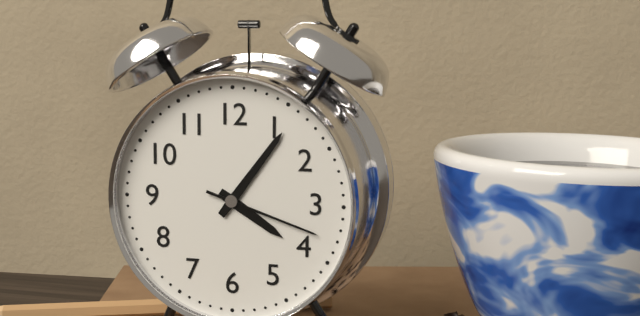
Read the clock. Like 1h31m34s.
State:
4h06m18s
